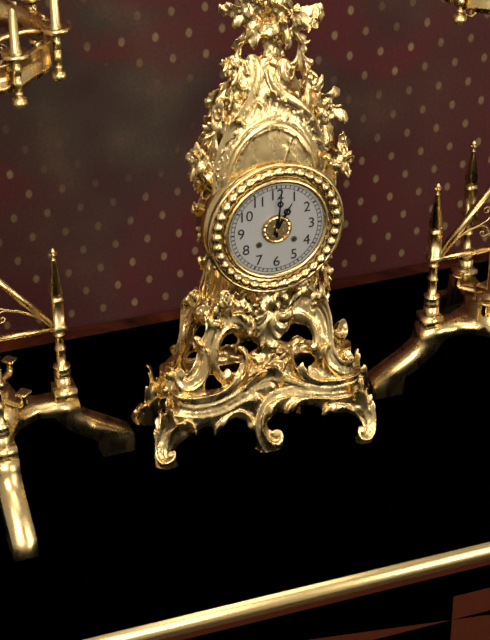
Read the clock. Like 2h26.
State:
1h01
